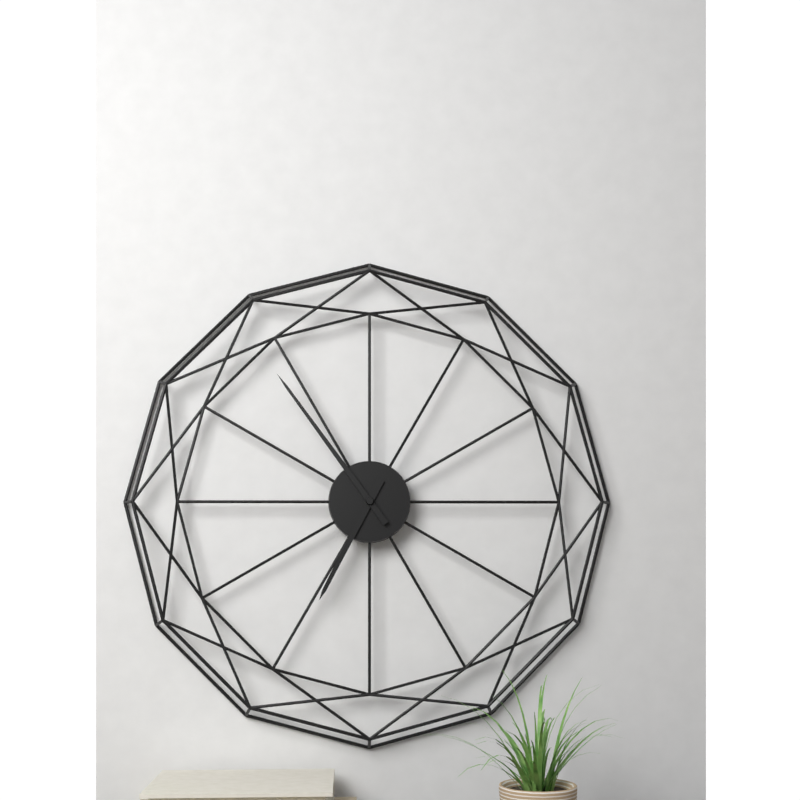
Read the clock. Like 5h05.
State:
6h54
